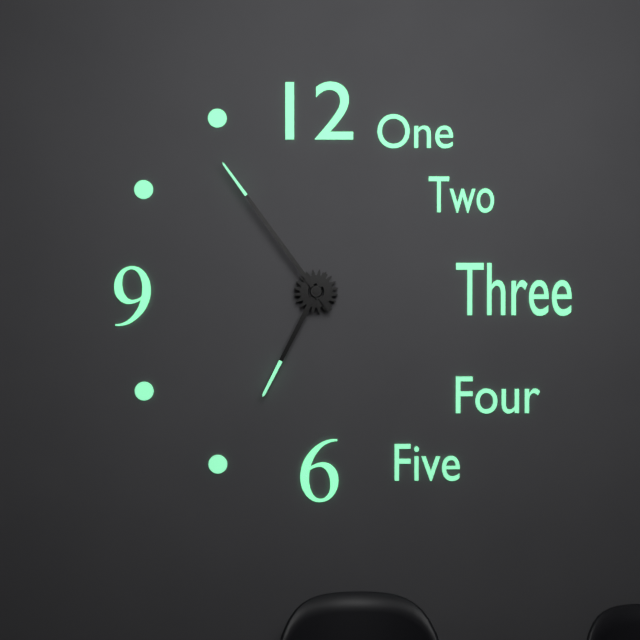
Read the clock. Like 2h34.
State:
6h54
